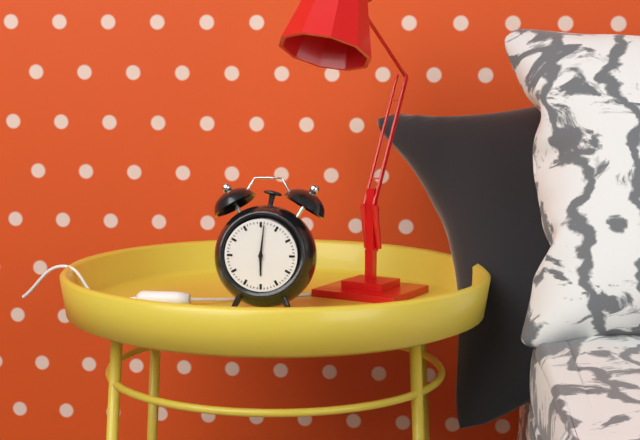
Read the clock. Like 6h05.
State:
6h01
